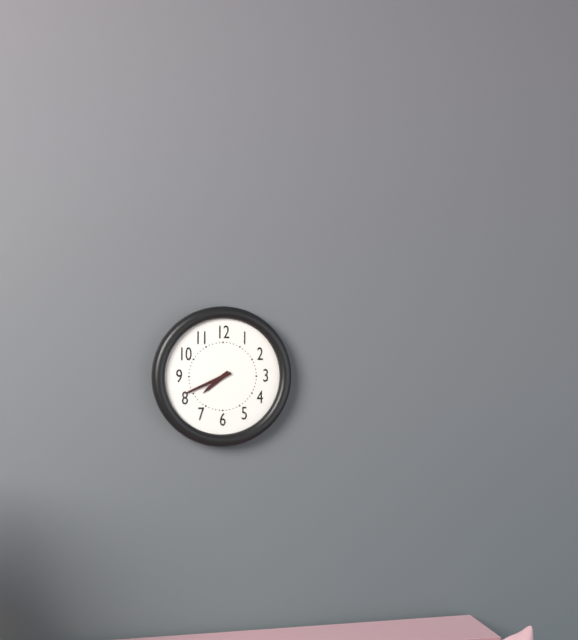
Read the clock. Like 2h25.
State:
7h41
